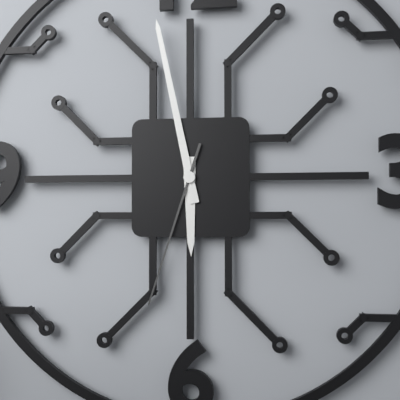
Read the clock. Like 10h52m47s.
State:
5h58m33s
